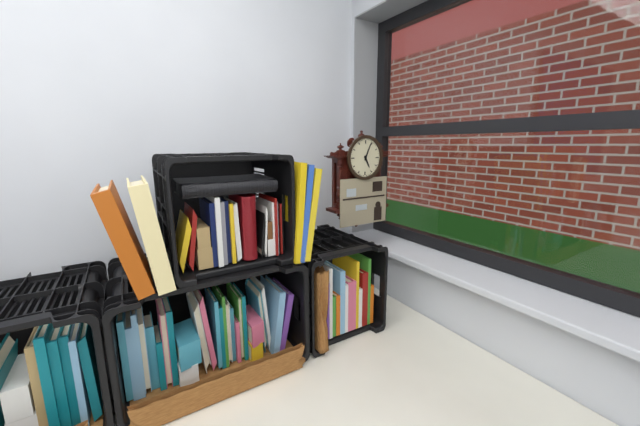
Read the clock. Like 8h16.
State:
5h04
